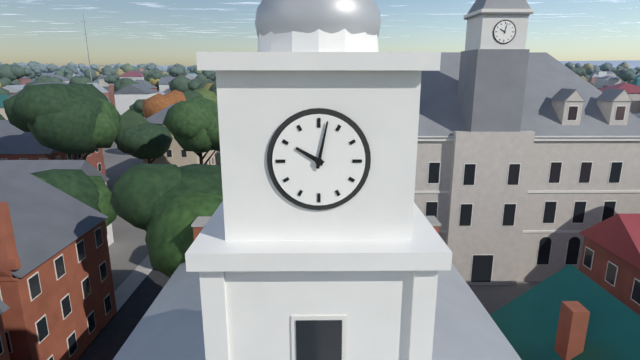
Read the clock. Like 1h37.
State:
10h02
